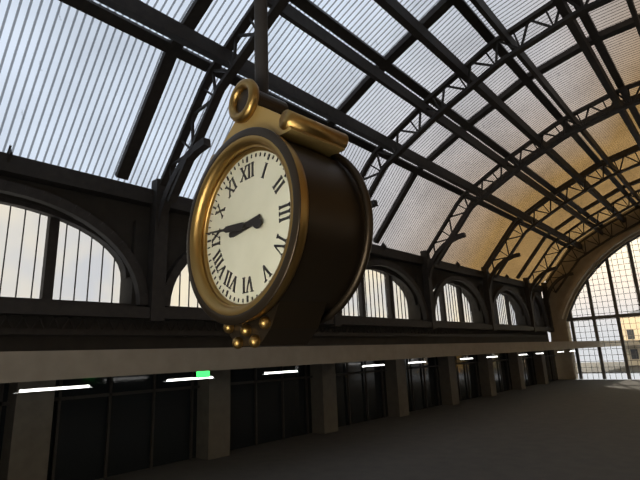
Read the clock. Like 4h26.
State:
8h46
